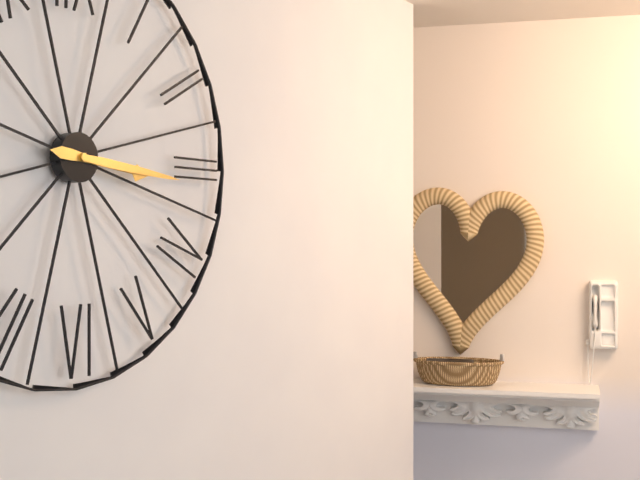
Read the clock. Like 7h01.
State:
3h16
